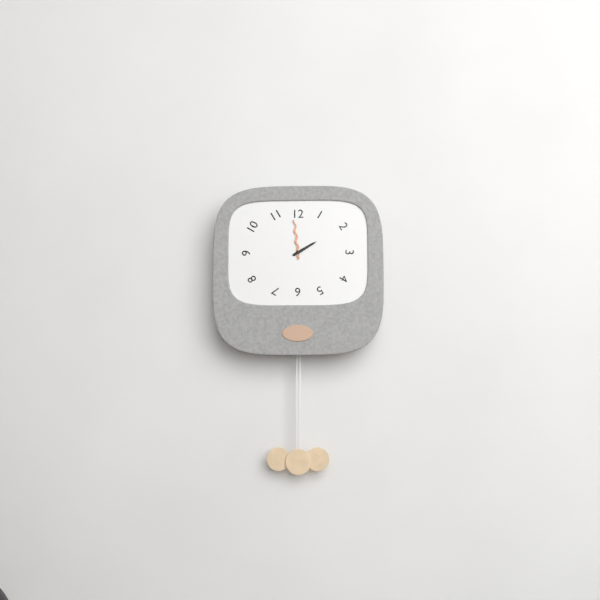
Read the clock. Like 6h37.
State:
1h59
